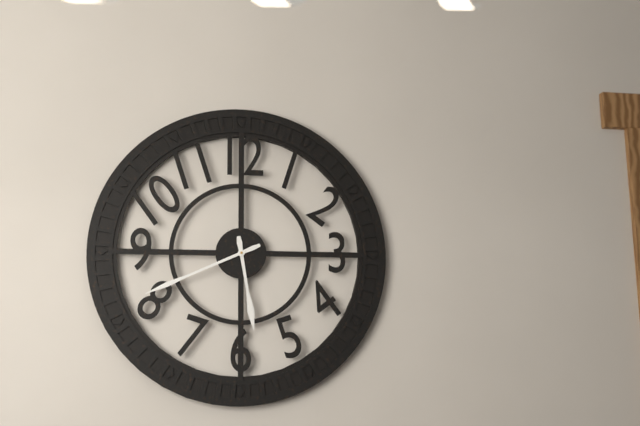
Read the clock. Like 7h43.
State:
5h41
